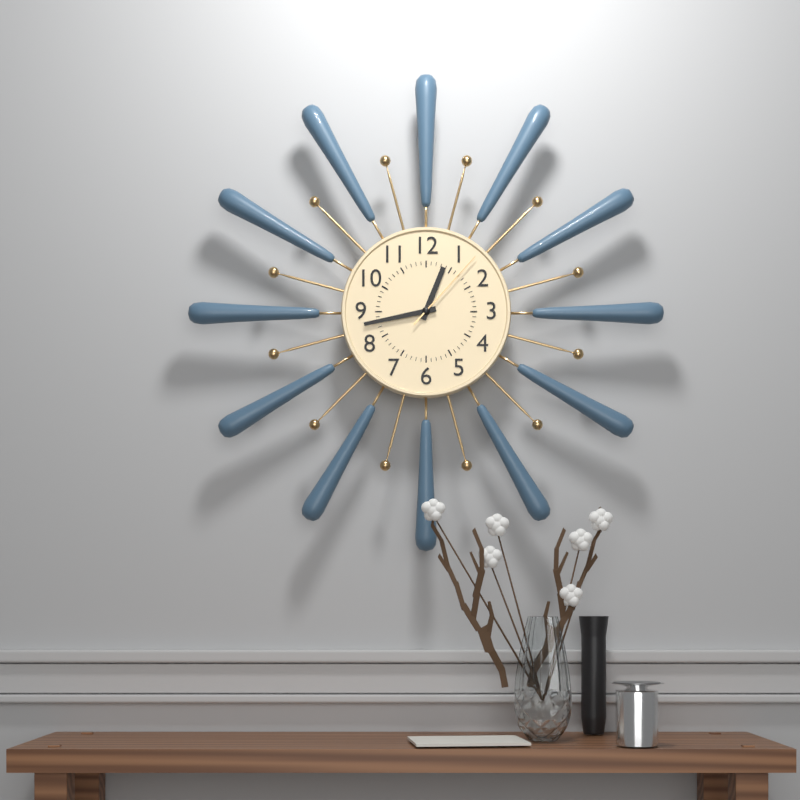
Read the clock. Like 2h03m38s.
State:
12h43m07s
